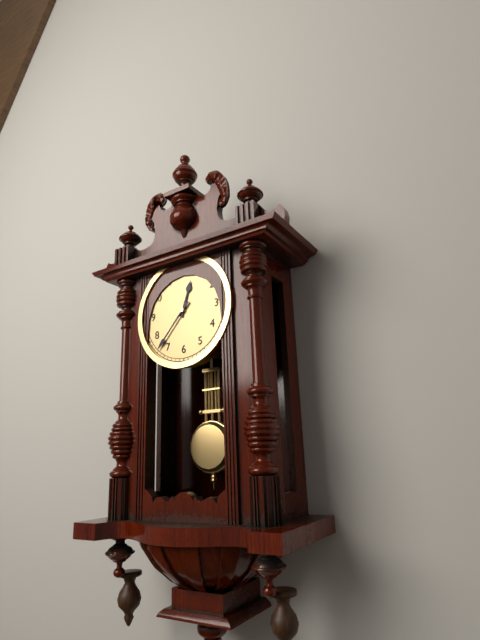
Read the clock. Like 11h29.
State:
12h37
